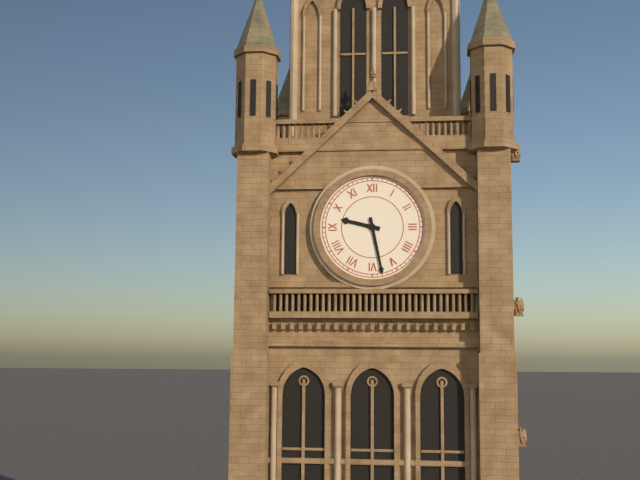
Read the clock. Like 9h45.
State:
9h28
